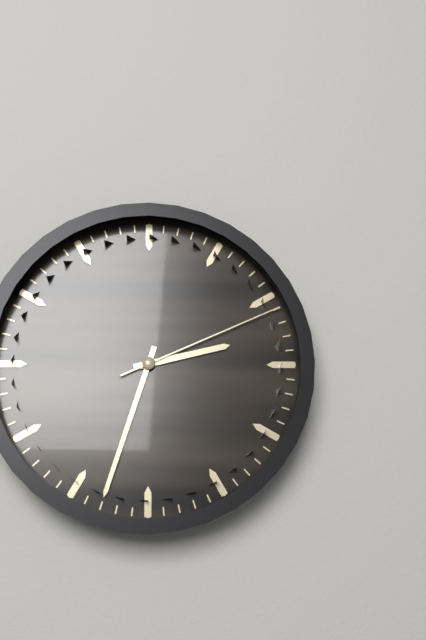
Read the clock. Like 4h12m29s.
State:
2h33m11s
